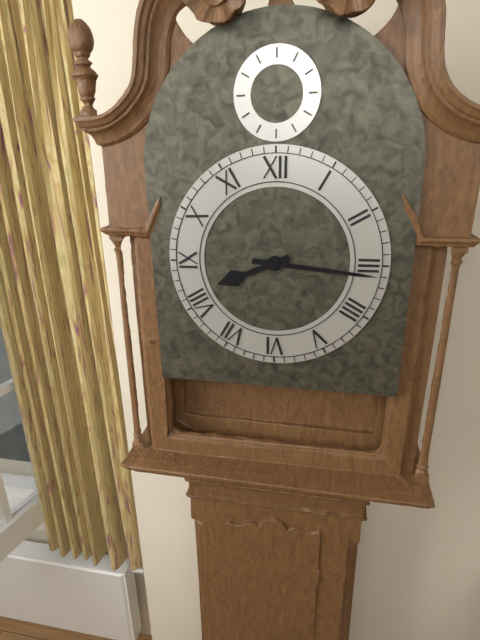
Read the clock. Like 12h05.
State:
8h16
